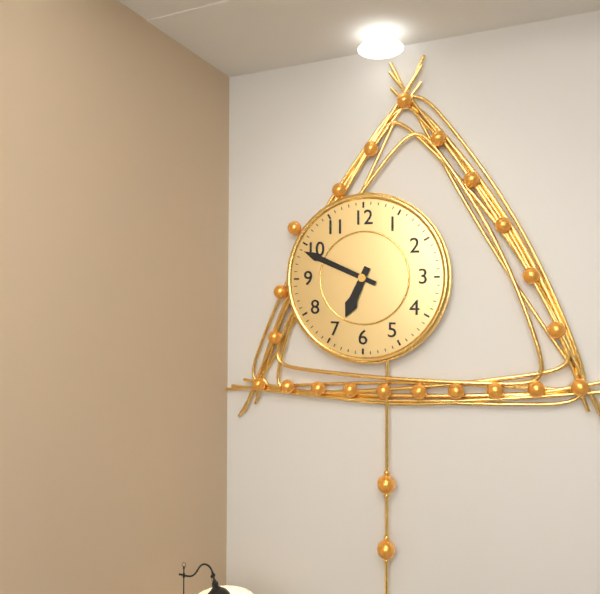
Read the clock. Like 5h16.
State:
6h49
